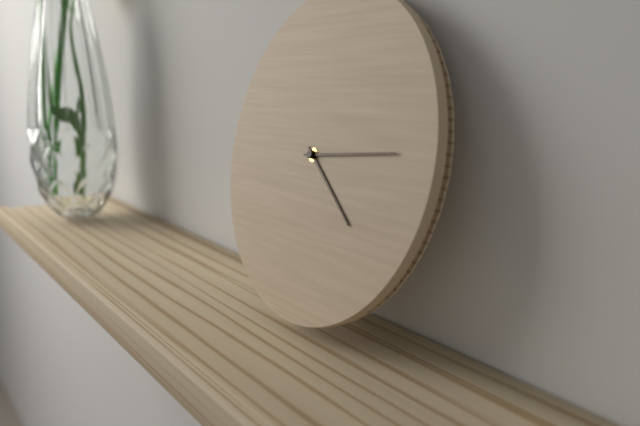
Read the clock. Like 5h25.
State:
4h14
